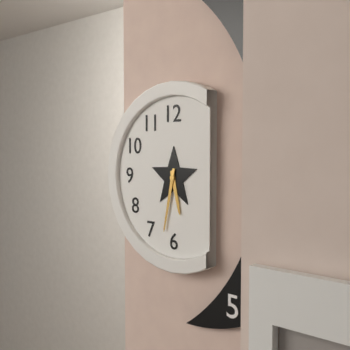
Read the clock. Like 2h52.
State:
5h32
